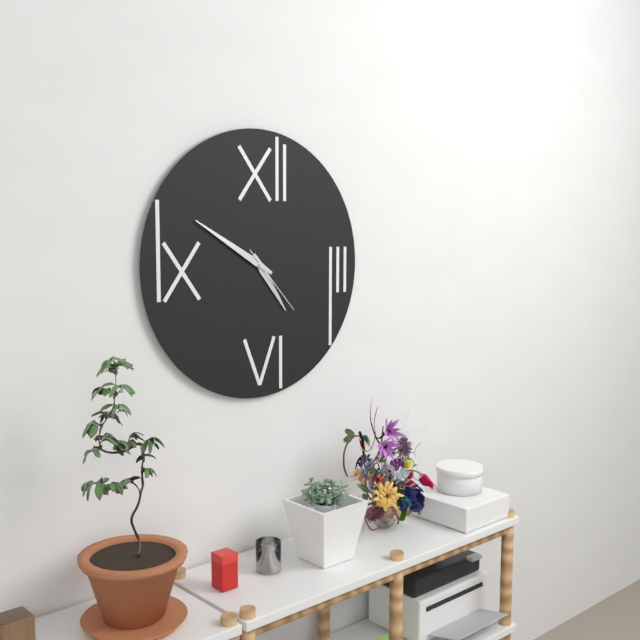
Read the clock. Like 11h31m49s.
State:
4h50m23s
